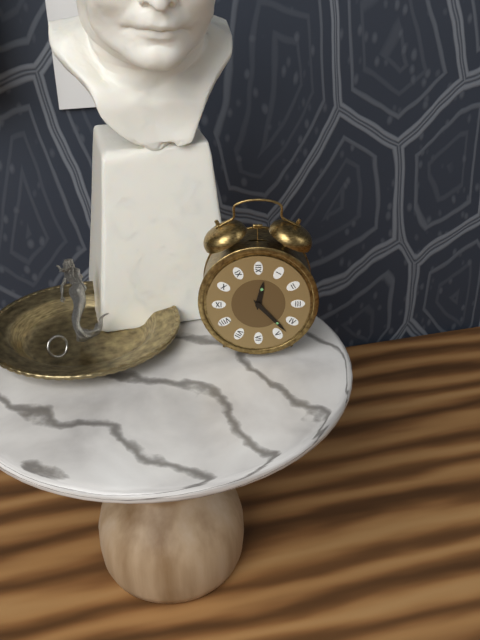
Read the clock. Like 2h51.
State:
12h23
